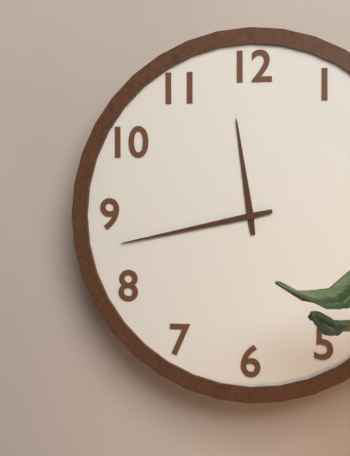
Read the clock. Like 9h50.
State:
11h43
